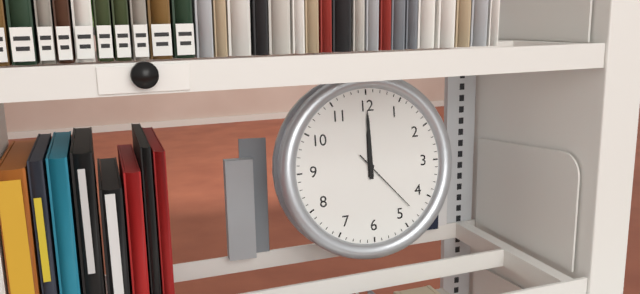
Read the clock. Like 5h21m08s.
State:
12h00m23s
